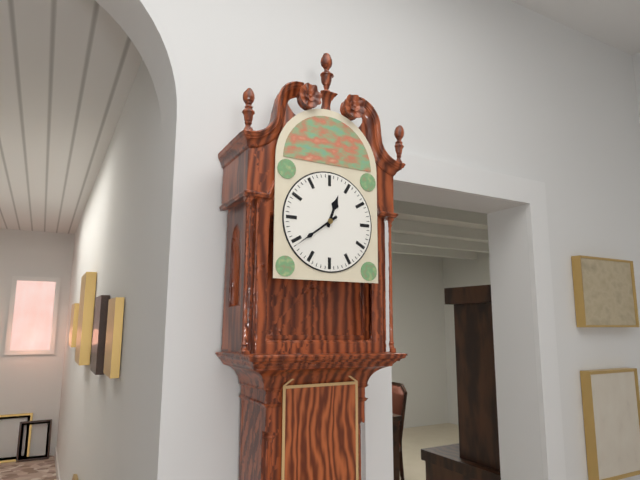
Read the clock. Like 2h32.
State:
12h39
